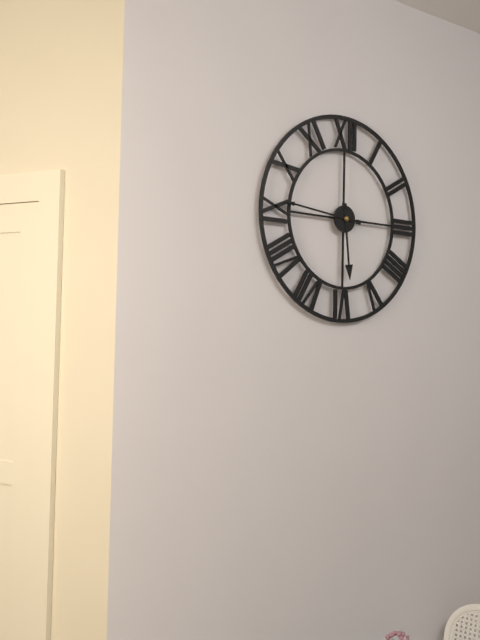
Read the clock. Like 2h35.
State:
5h46
